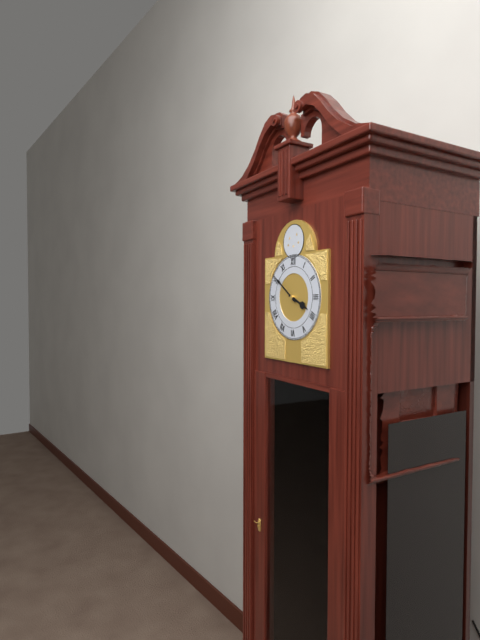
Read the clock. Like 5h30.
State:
3h51
